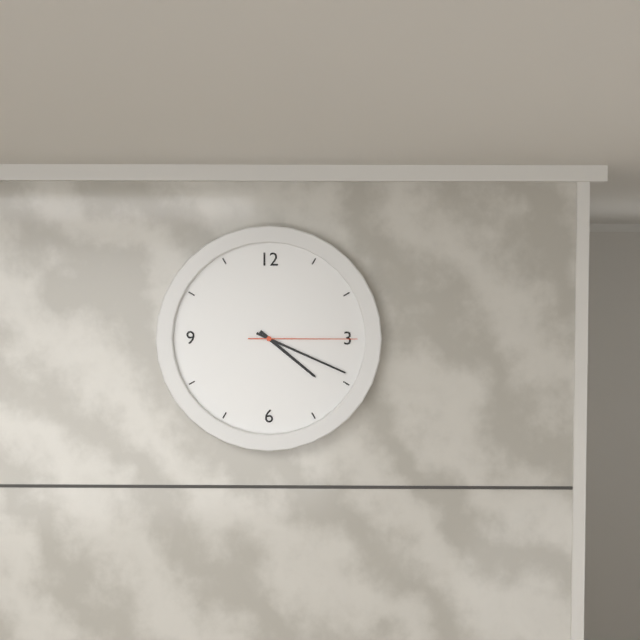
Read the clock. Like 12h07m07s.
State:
4h19m15s
